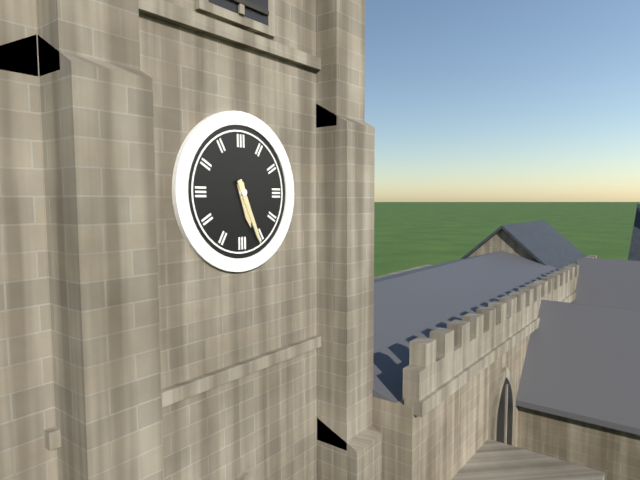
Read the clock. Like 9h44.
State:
5h26
